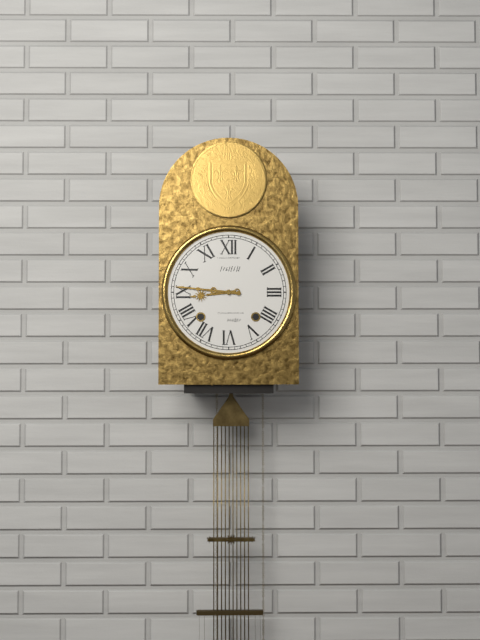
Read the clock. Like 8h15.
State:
8h46
